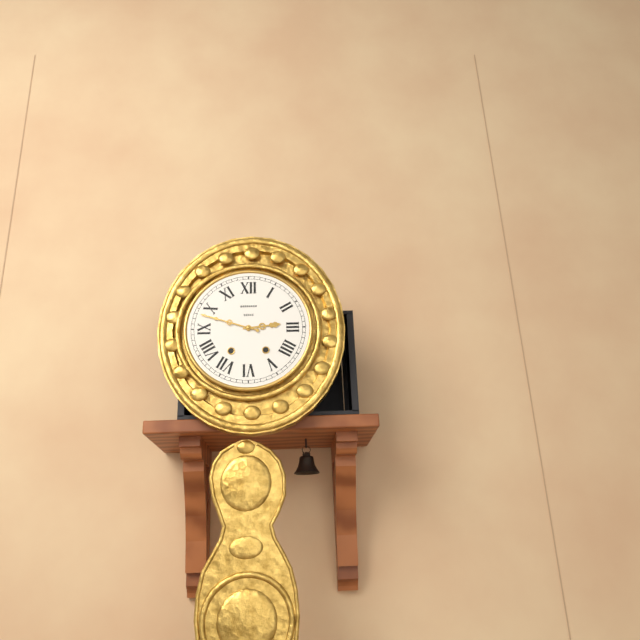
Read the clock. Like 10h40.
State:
2h48
